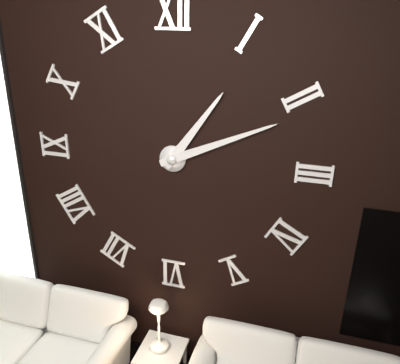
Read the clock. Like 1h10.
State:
1h11
